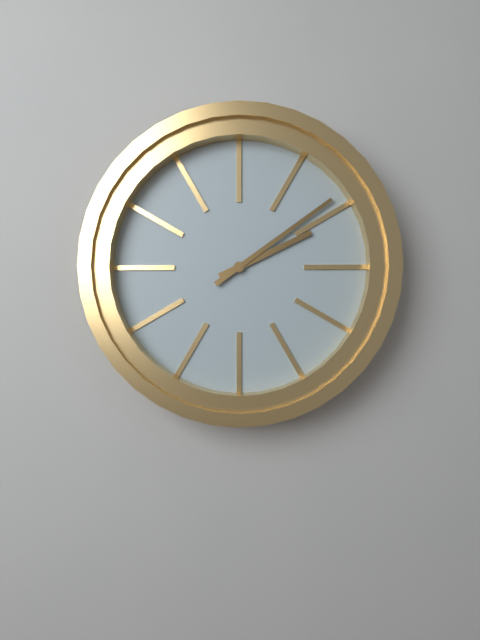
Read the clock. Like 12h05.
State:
2h09
